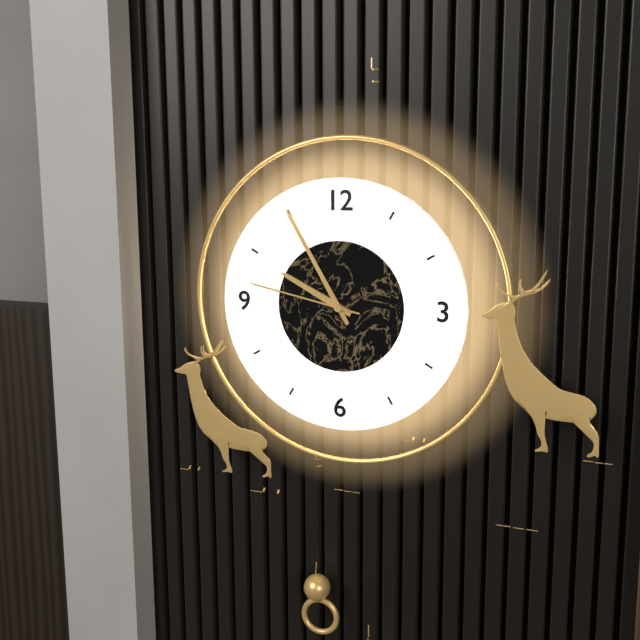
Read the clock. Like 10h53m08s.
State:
9h55m47s
